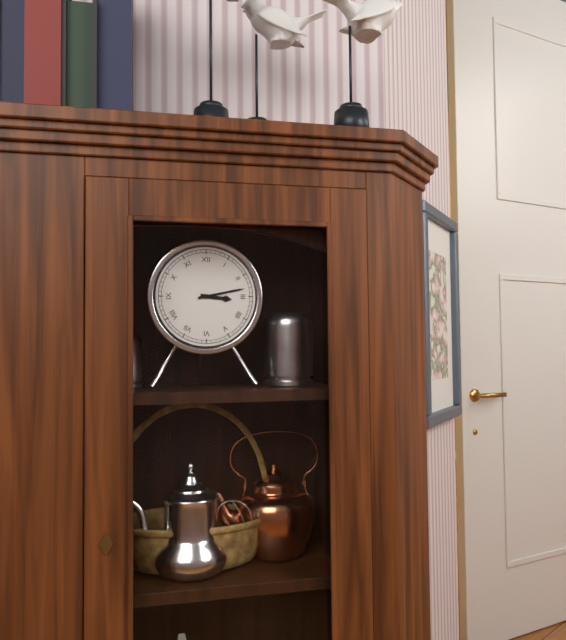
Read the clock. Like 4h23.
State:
3h13
